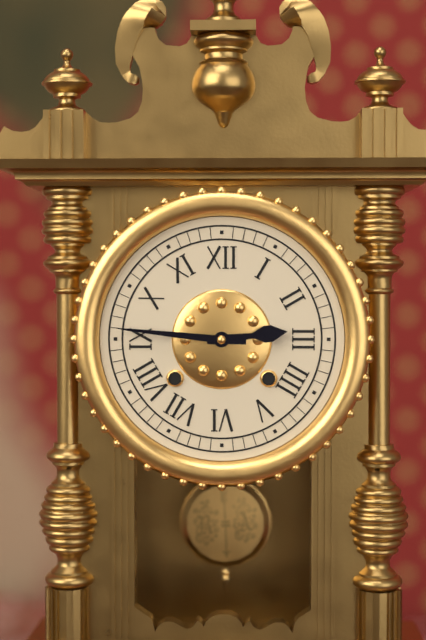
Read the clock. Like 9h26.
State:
2h46
